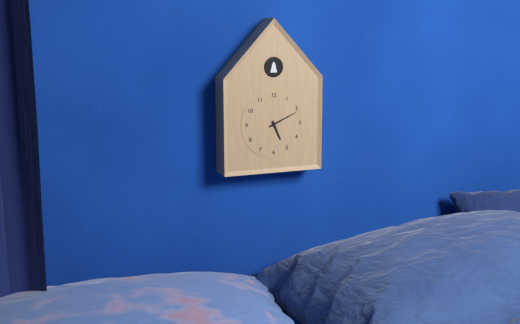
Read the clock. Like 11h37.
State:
5h11
